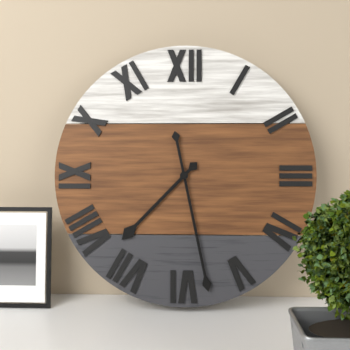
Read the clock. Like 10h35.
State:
7h28
